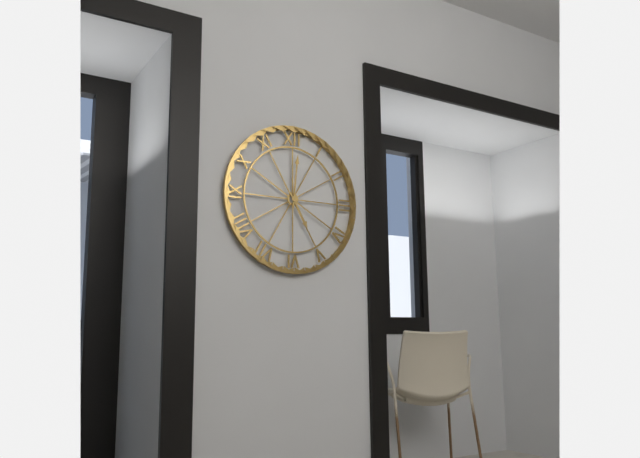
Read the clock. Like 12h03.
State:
5h01
